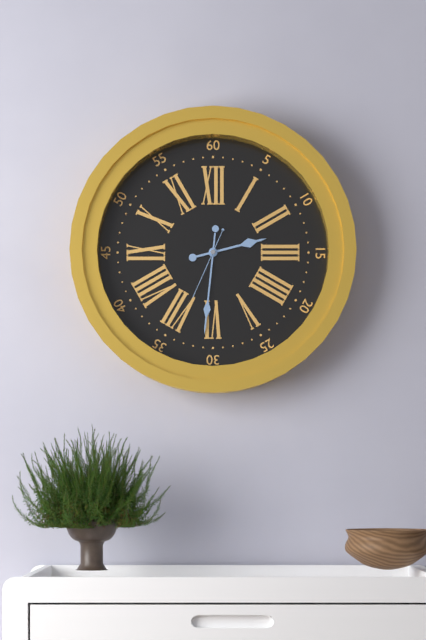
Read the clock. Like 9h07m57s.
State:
2h31m34s
